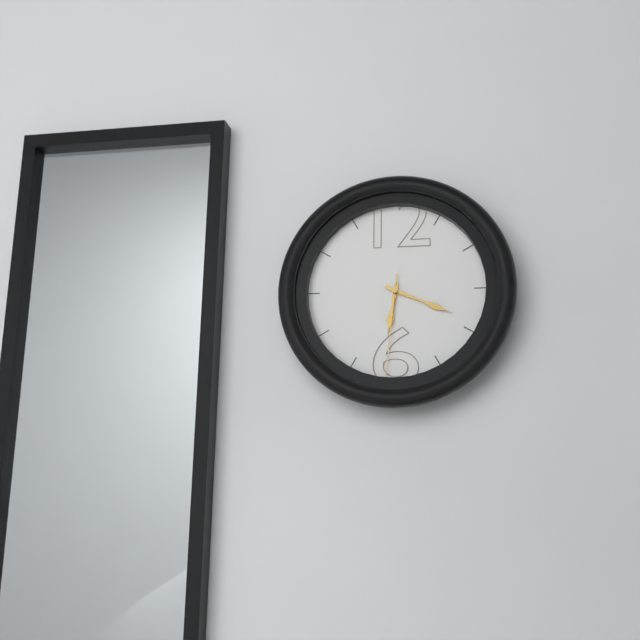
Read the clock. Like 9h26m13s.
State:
6h19m31s
